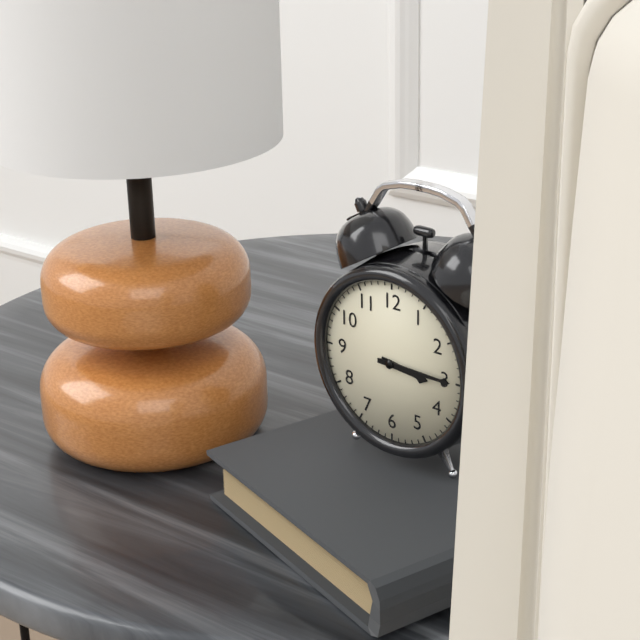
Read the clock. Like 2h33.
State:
3h15
